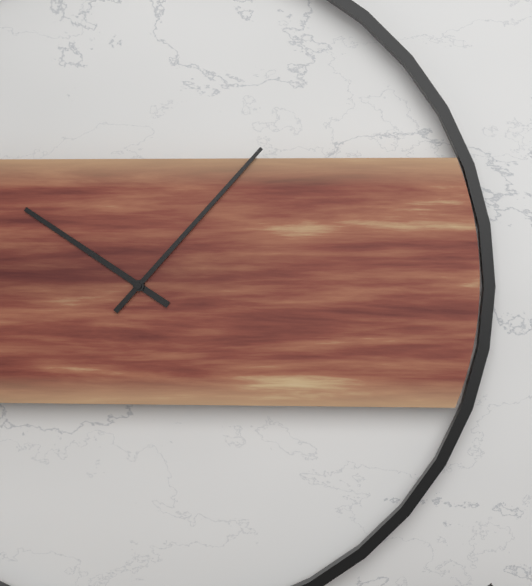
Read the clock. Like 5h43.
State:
10h07
